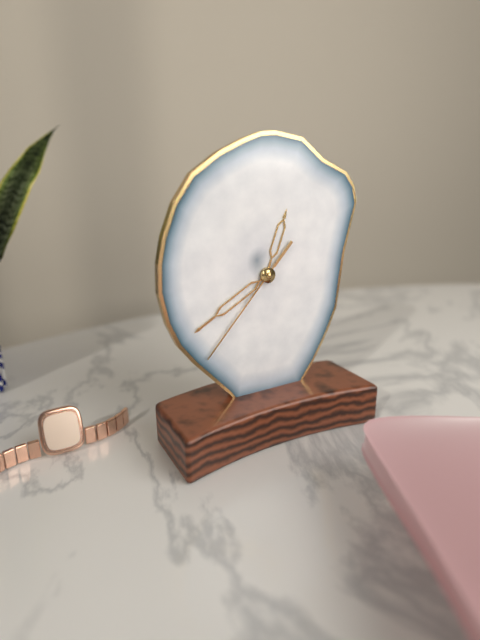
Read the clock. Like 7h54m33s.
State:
12h40m37s
